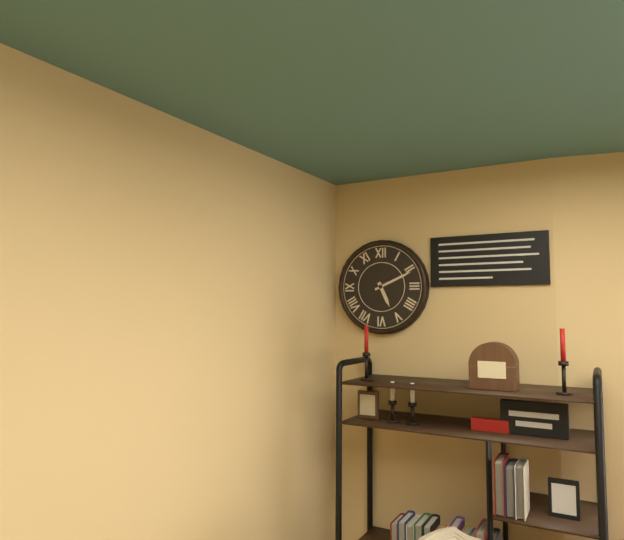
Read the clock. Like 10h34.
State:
5h11
